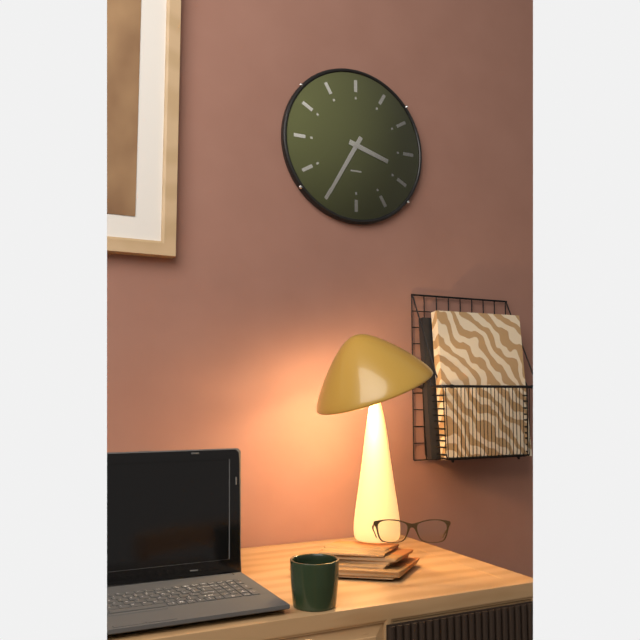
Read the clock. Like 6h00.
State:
3h35
